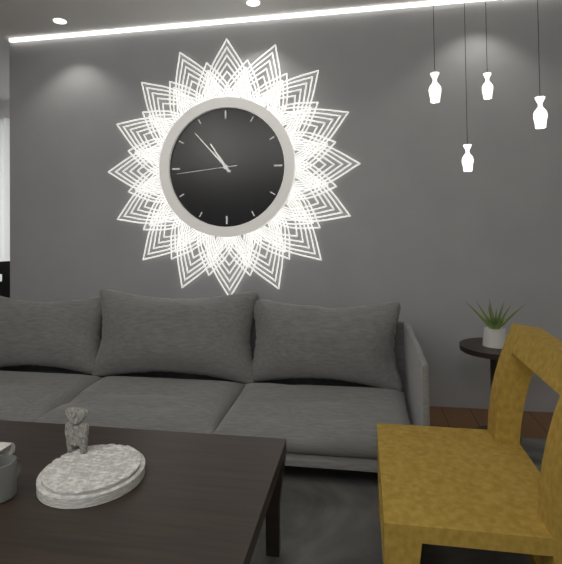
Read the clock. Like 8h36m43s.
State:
10h53m44s
